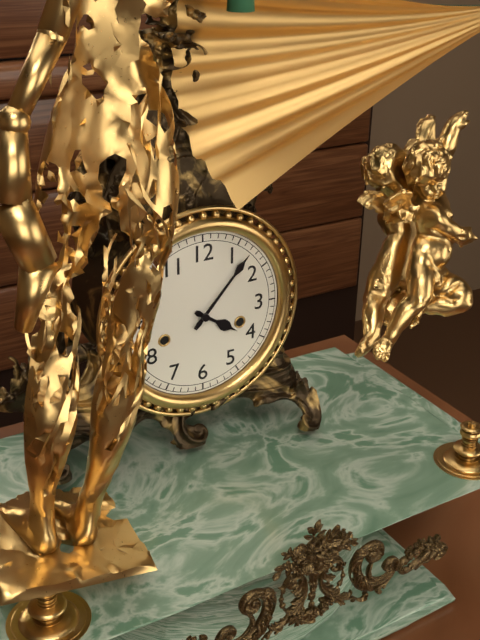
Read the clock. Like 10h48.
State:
4h07
